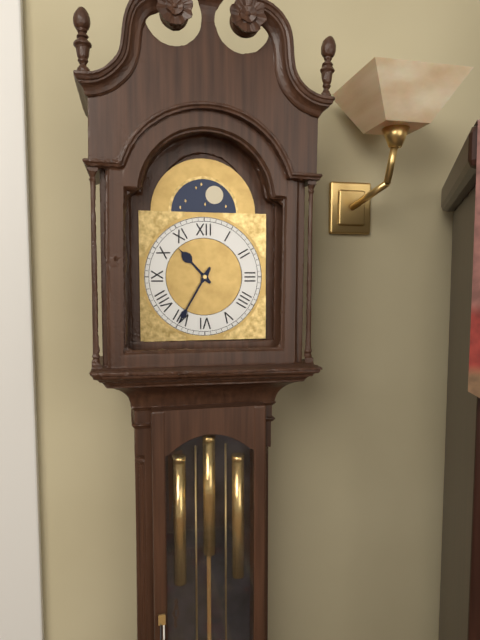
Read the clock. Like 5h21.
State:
10h35
